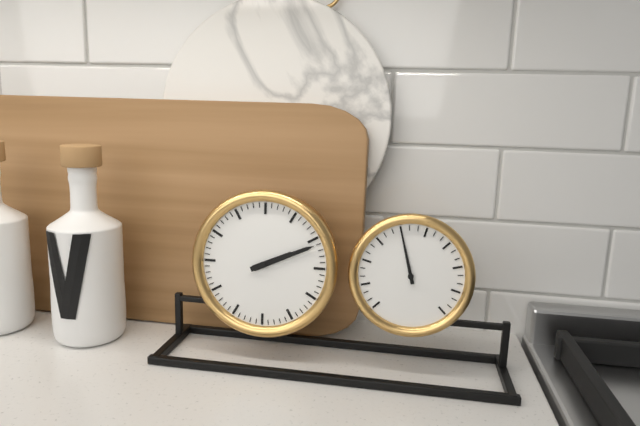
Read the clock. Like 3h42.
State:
2h11
